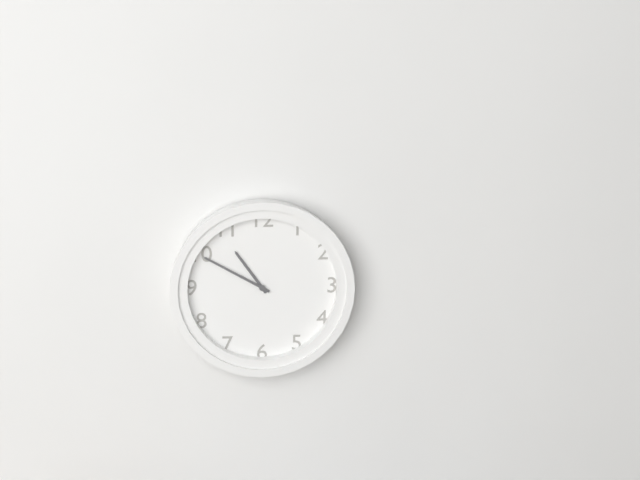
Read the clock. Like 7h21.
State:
10h50
